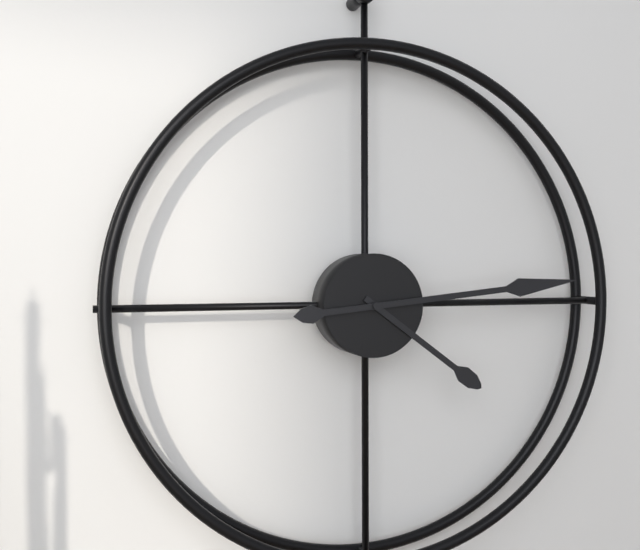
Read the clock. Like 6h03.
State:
4h14
